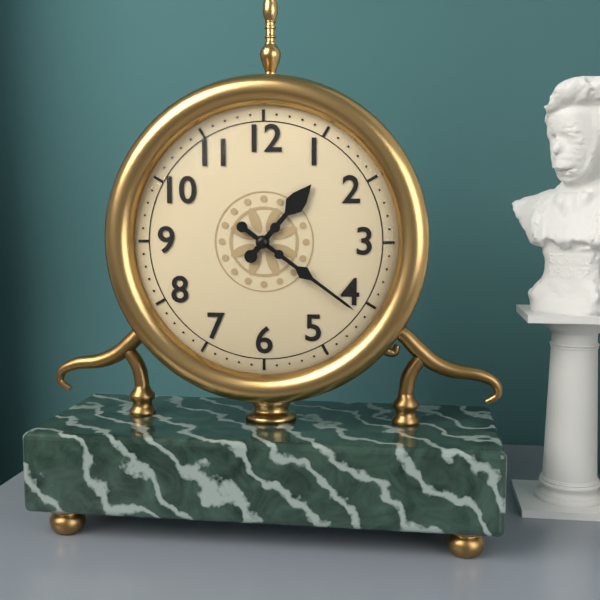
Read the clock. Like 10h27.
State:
1h21
